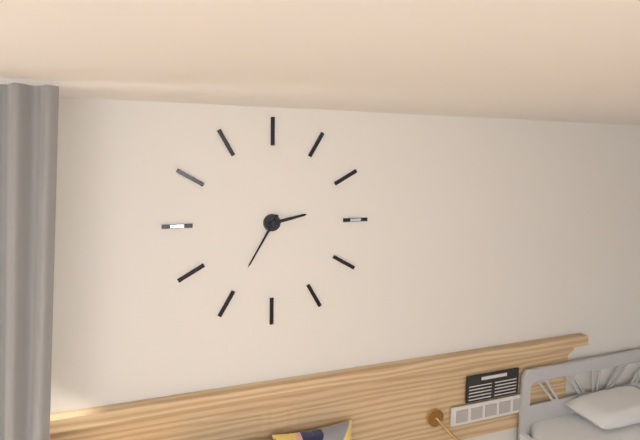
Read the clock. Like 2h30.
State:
2h35
